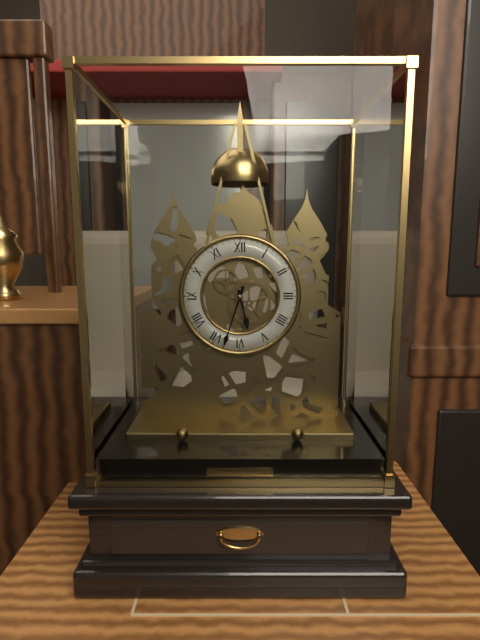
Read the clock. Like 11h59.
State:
5h33
